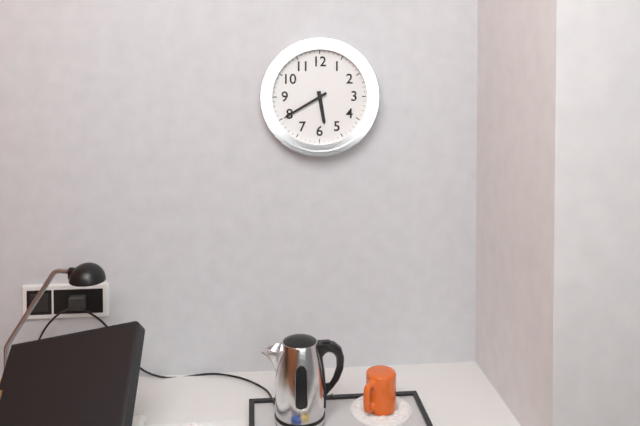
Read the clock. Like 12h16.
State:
5h40
